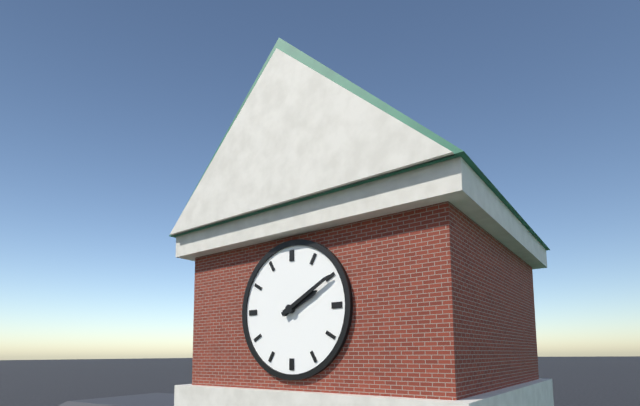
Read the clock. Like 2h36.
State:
2h10
